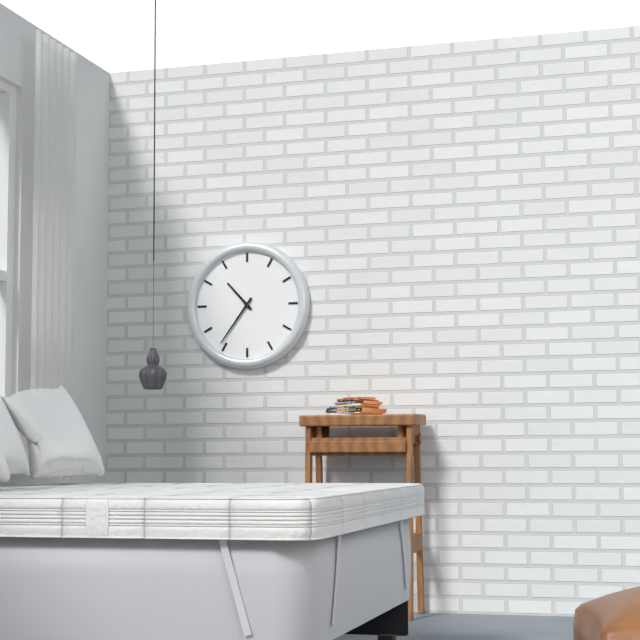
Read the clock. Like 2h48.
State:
10h36
